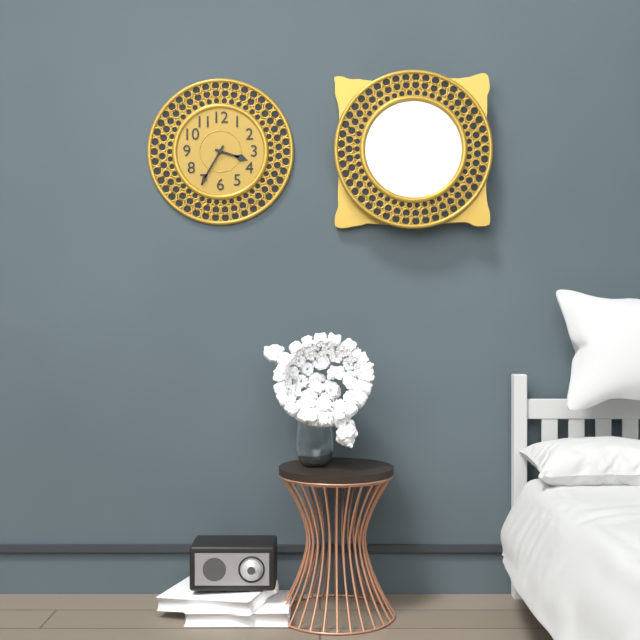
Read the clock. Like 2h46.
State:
3h35
